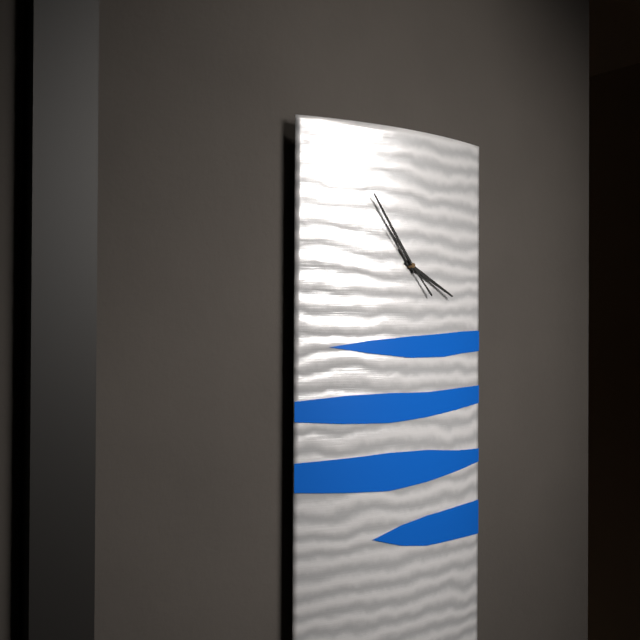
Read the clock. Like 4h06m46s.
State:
3h54m53s
